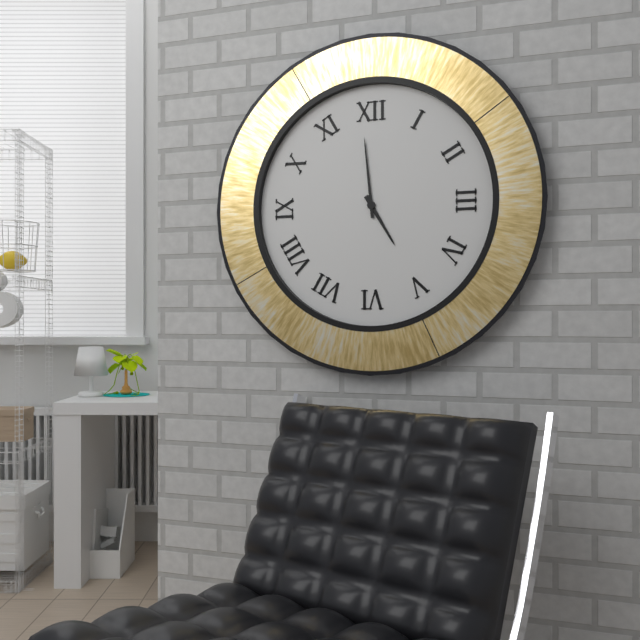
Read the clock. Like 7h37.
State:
4h59
